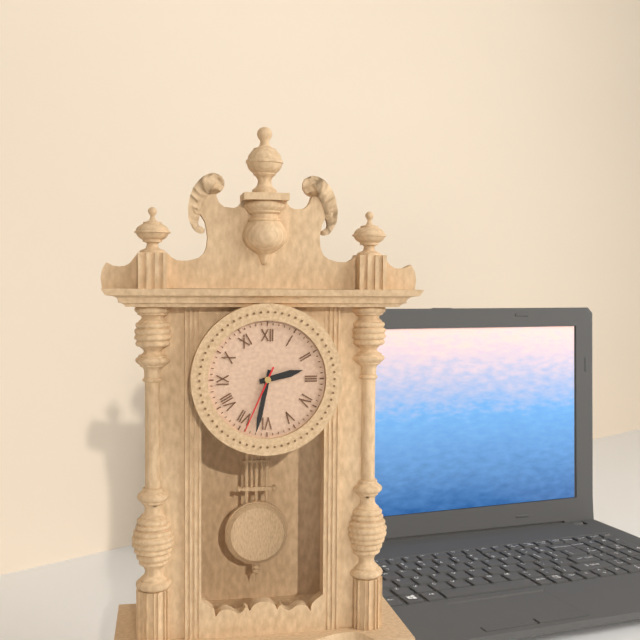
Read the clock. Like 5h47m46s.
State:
2h32m34s
